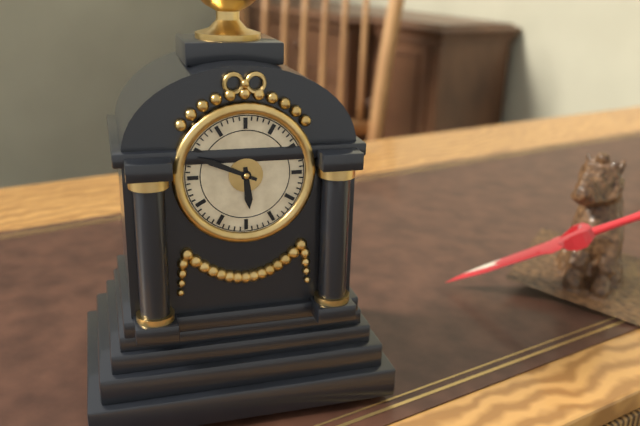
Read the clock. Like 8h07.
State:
5h49
